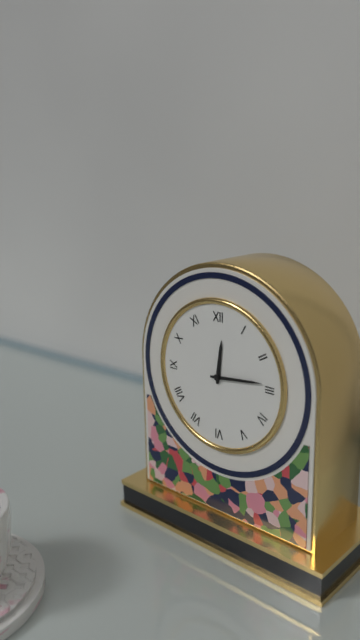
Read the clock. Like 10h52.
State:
12h14
